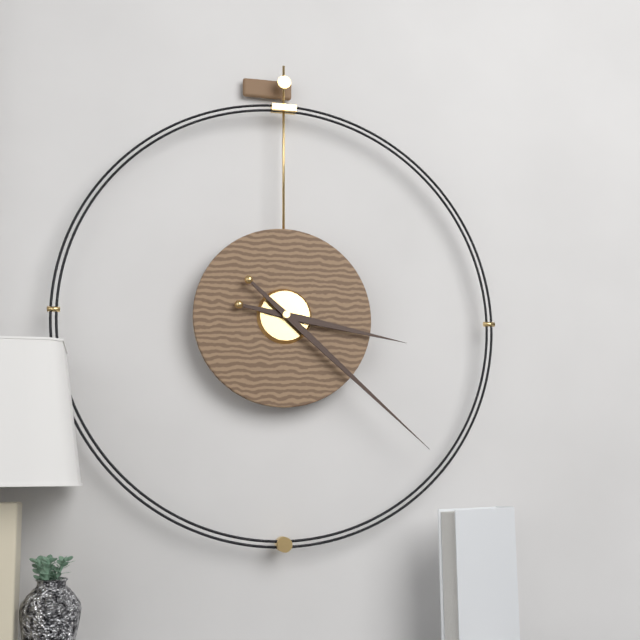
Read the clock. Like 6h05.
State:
3h22
